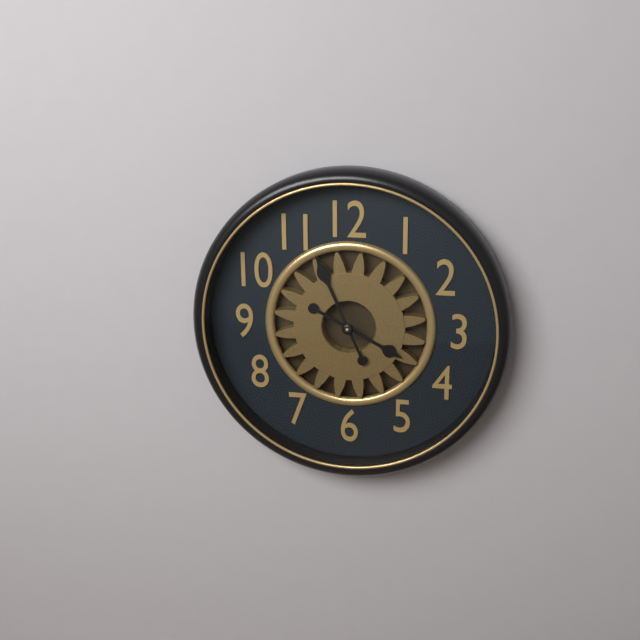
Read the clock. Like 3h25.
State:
3h56
